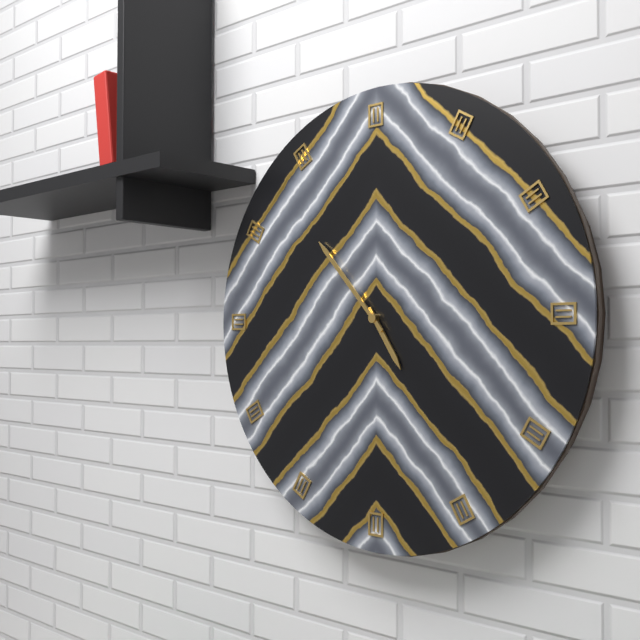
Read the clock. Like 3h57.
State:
4h53
